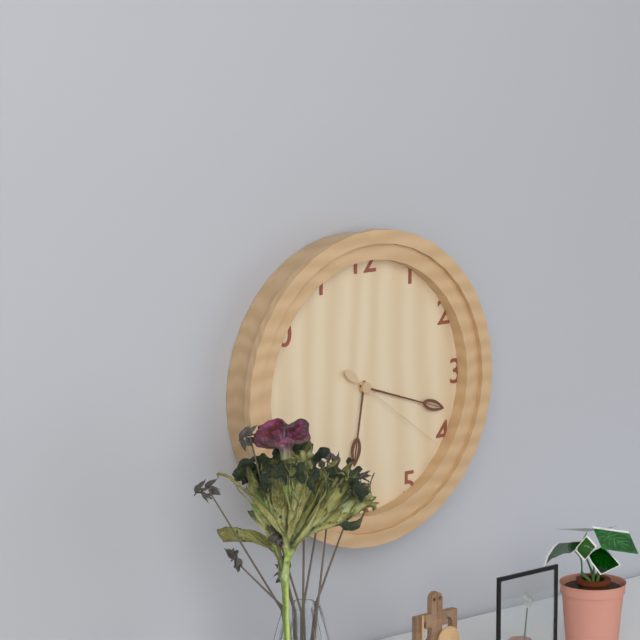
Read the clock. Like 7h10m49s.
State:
6h18m21s
